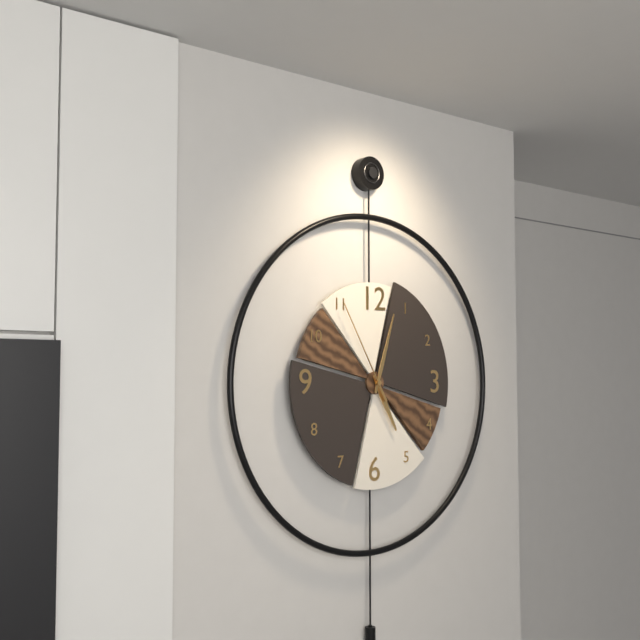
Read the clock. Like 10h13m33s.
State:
5h03m55s
